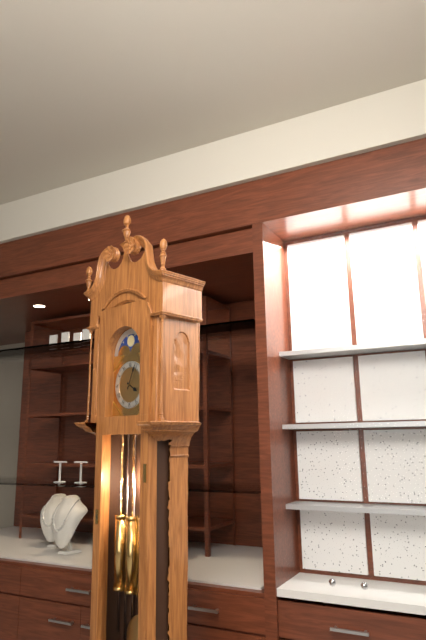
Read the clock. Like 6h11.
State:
4h04
